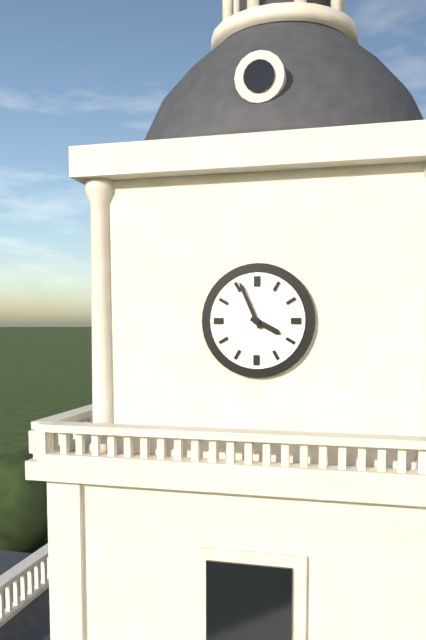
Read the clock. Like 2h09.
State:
3h56
